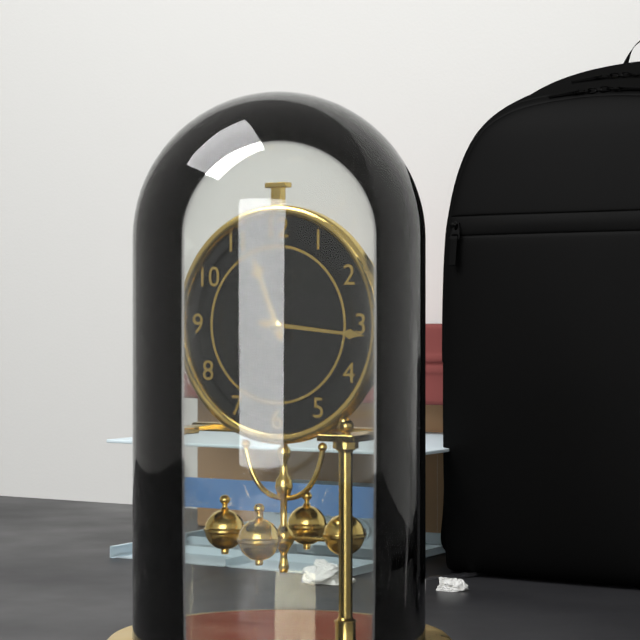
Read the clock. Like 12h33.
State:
11h16
